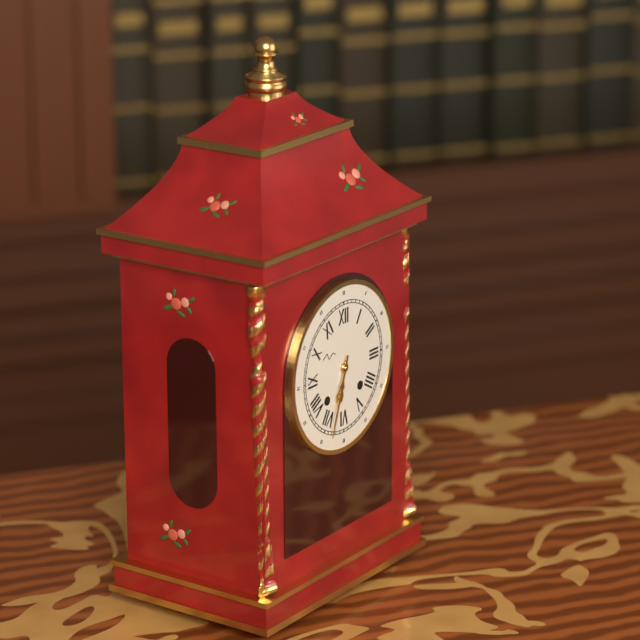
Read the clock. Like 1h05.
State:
6h33
